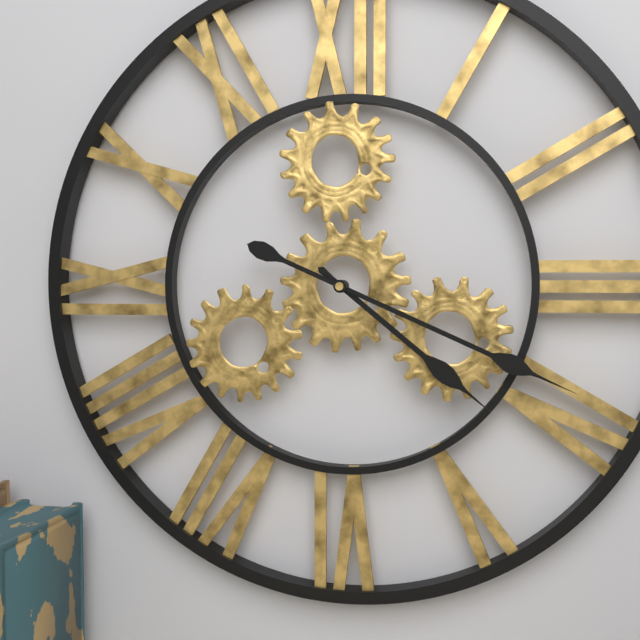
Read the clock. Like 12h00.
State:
4h19
